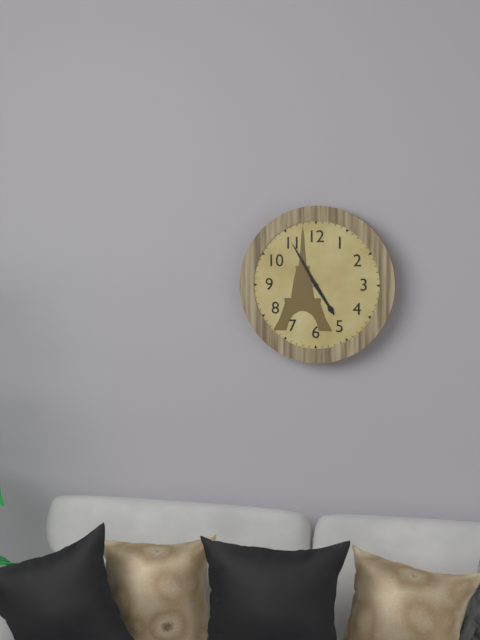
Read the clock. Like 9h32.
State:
4h55
